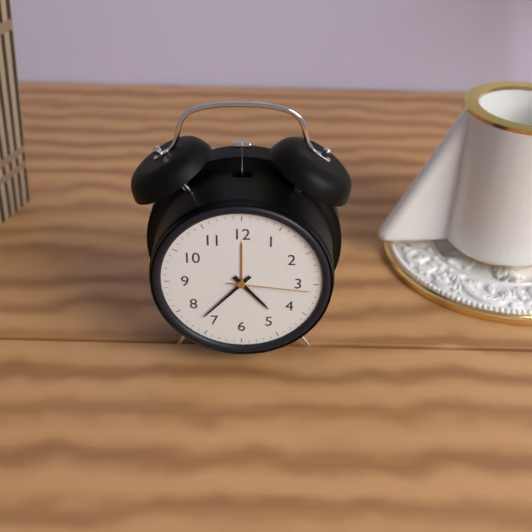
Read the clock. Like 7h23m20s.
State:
4h37m16s
